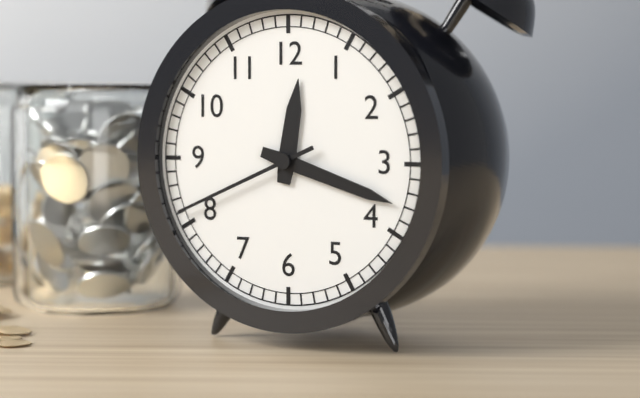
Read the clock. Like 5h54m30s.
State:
12h18m41s
